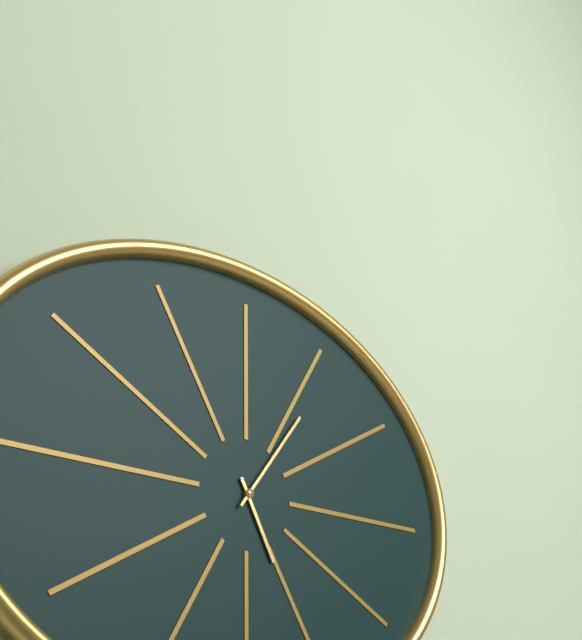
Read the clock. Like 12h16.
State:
5h06
